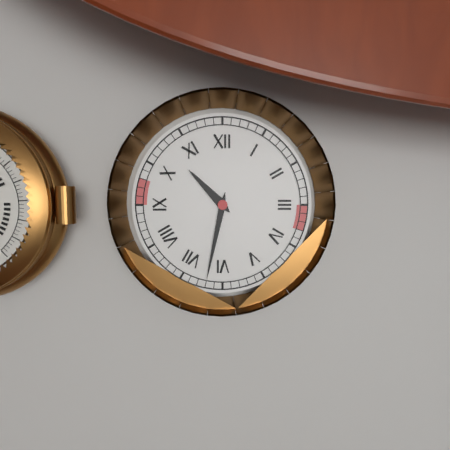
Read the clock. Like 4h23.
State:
10h32
